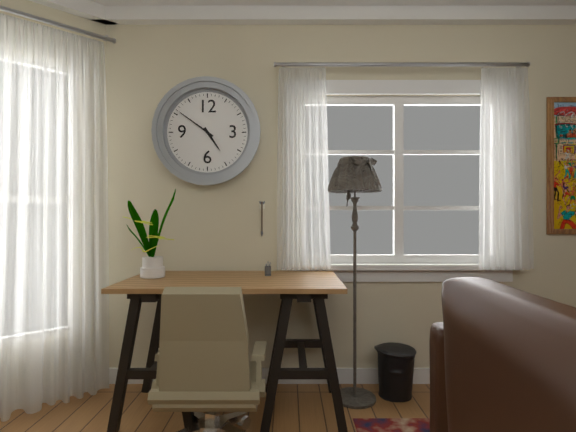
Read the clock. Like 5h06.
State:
4h51
